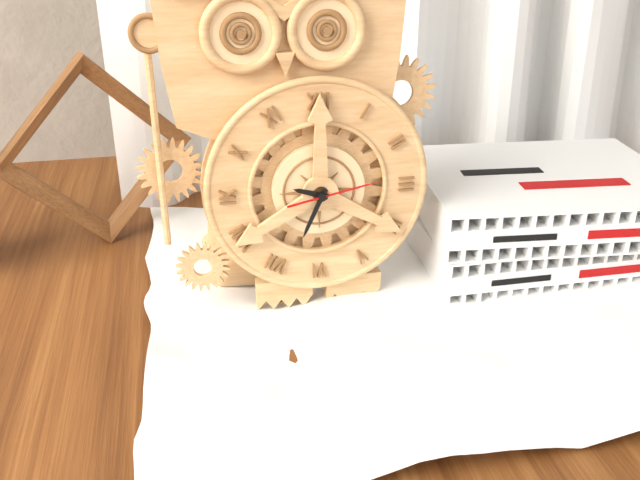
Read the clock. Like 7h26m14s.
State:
9h34m13s
